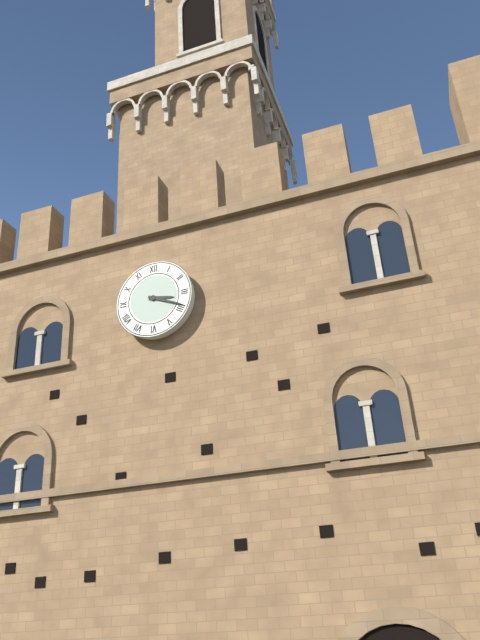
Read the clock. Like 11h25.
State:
3h19
